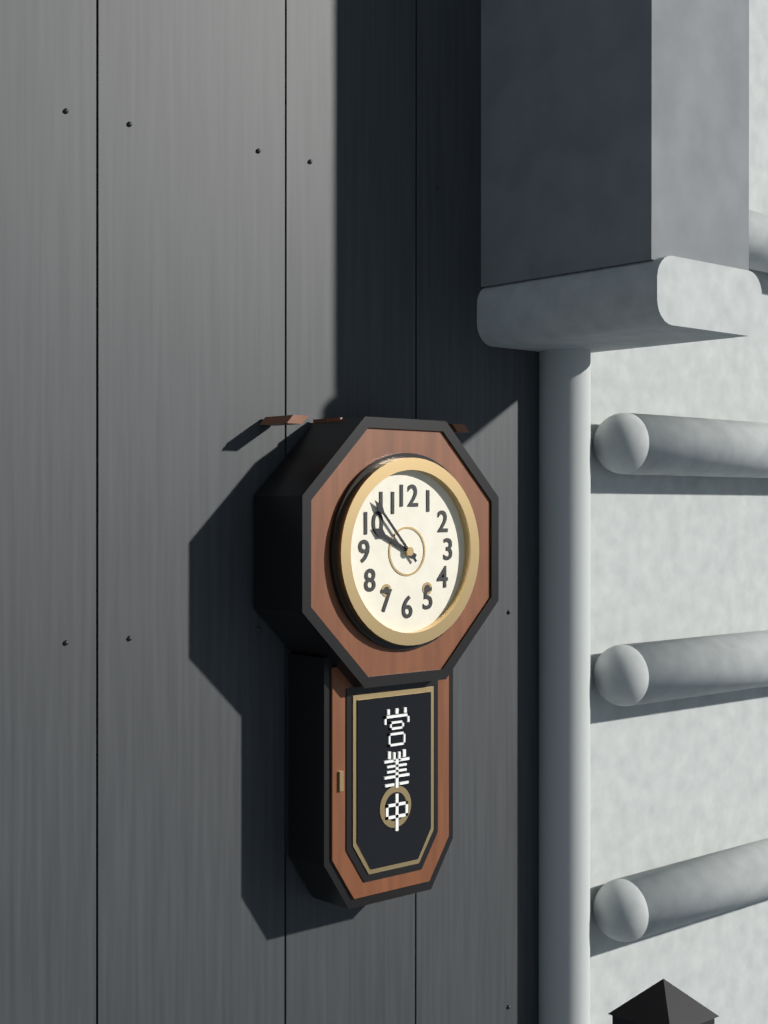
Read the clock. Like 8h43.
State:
9h53
